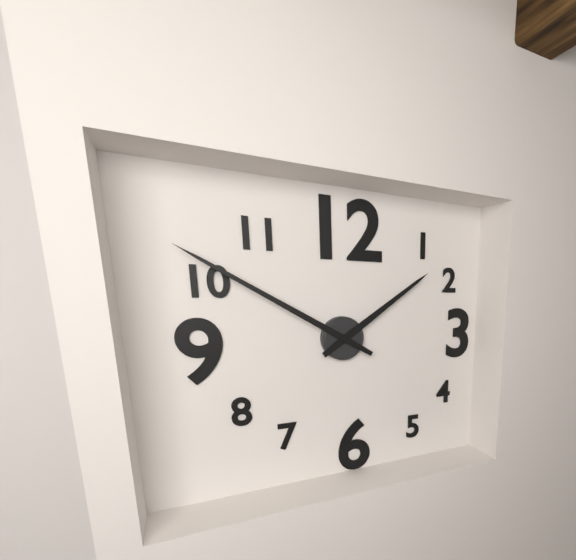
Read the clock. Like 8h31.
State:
1h50
